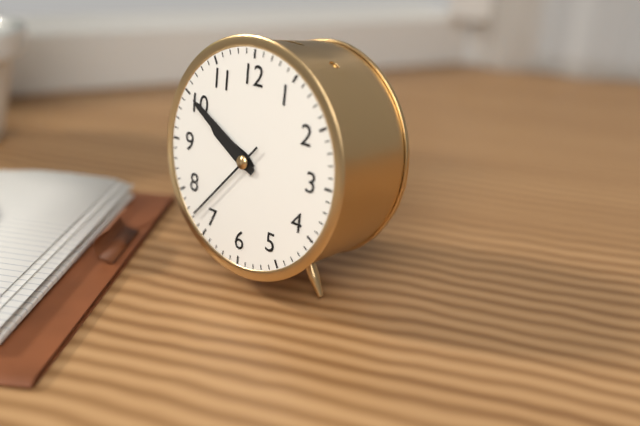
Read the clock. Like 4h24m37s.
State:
9h50m37s
